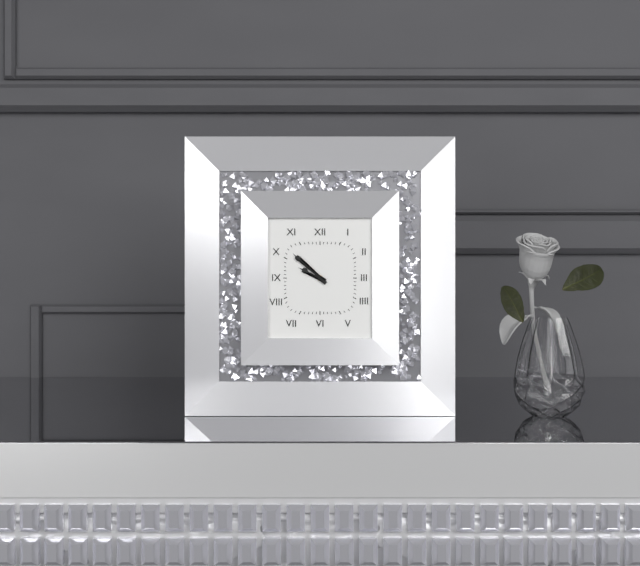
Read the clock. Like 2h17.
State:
9h52
